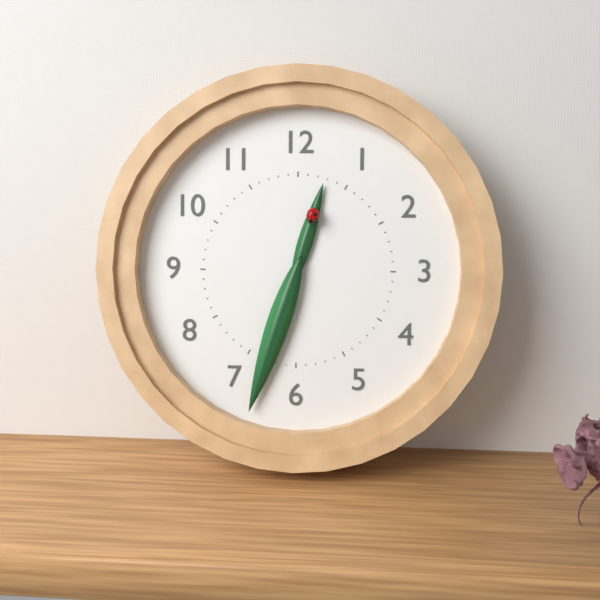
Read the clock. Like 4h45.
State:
12h33
